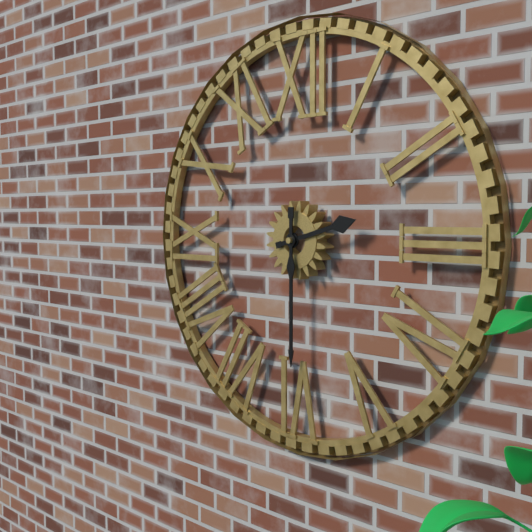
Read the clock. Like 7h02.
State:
2h30
